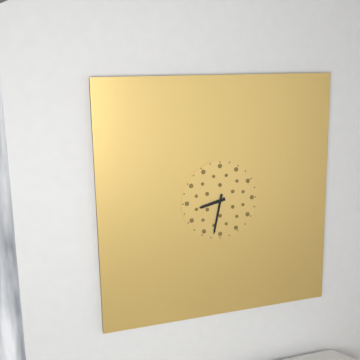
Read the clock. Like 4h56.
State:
8h32
